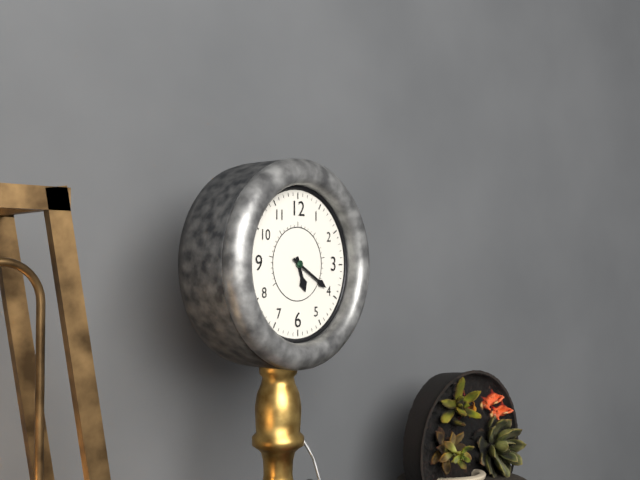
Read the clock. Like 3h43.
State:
5h20
